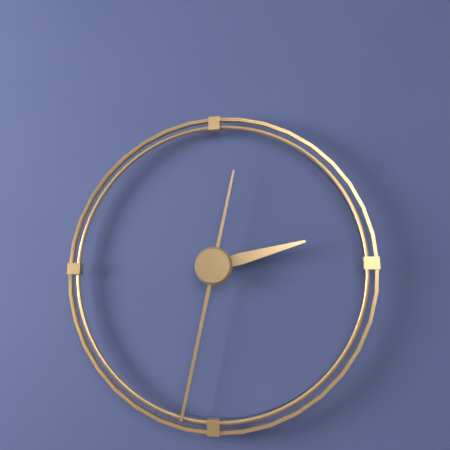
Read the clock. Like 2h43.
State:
2h32
